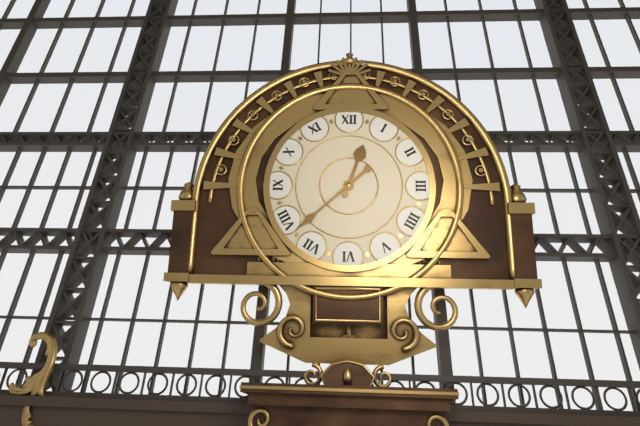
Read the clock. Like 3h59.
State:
12h38
